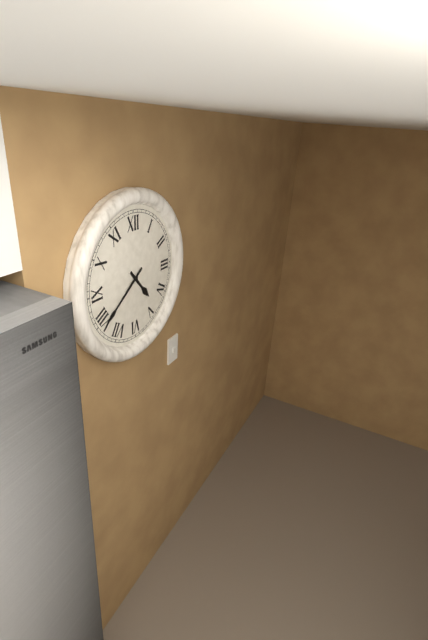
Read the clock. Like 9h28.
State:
4h39
